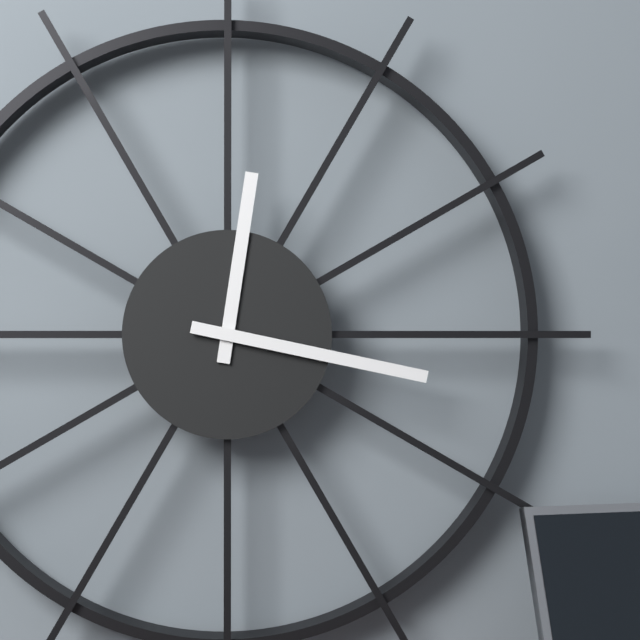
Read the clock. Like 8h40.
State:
12h17
